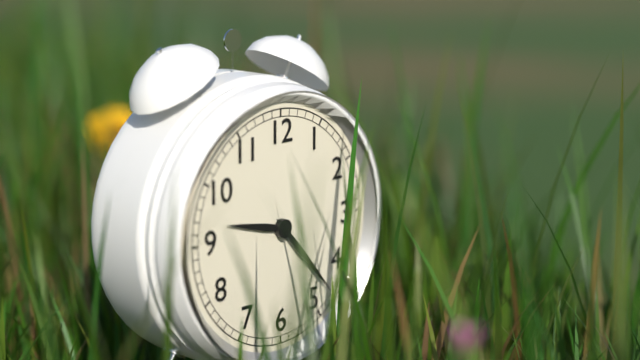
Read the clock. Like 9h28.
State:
9h23
